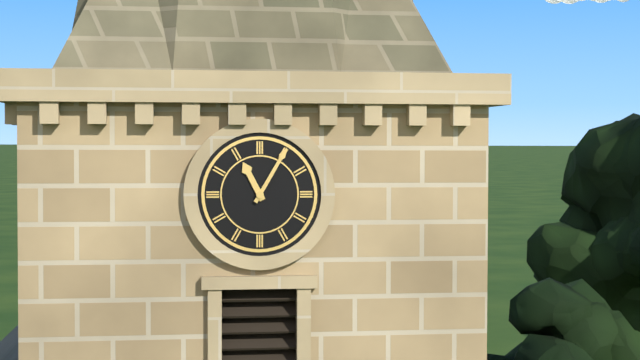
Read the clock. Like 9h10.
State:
11h05
